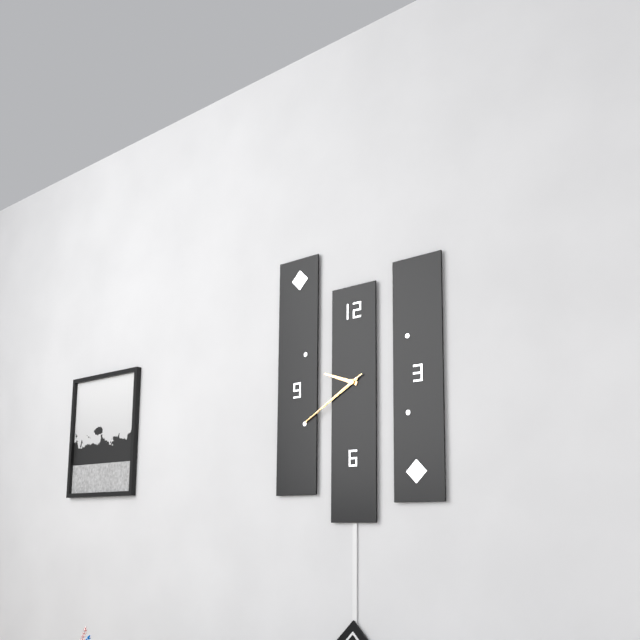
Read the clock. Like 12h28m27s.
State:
9h40m40s
